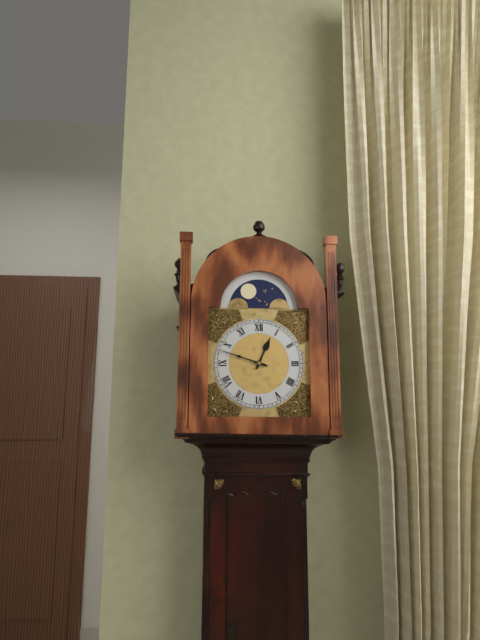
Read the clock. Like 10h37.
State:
12h48
